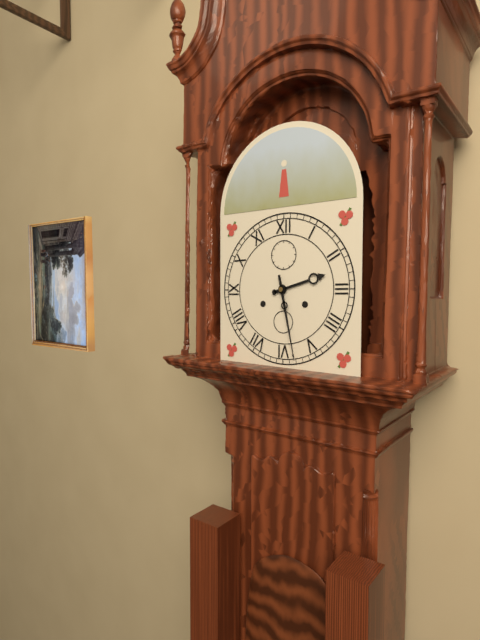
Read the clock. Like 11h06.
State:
2h28
